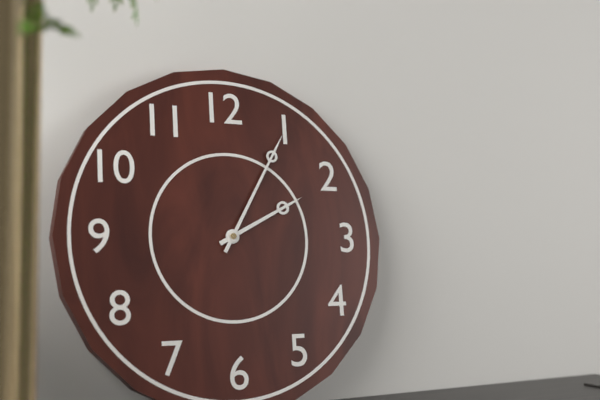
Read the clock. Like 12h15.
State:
2h05
